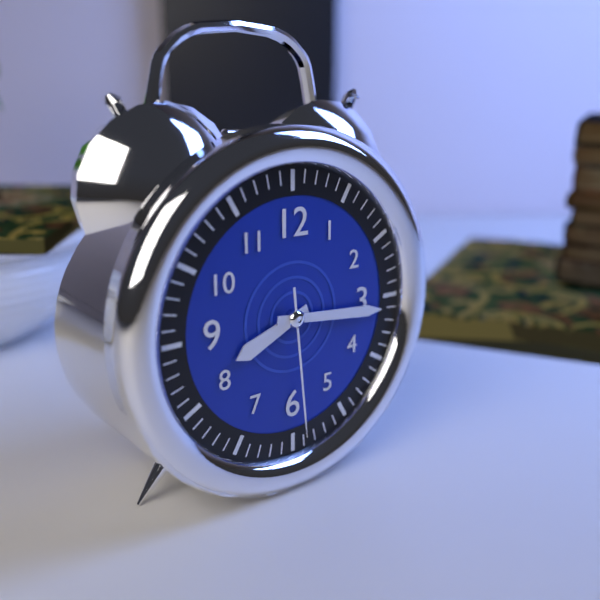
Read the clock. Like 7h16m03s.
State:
8h16m29s
